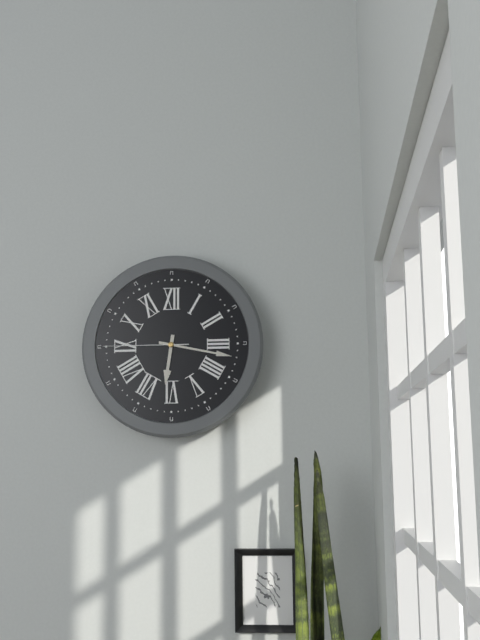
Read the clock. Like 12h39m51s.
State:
6h17m45s
